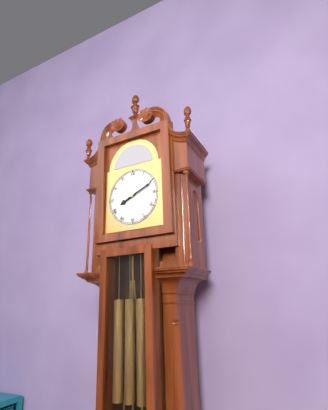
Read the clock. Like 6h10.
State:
8h11
